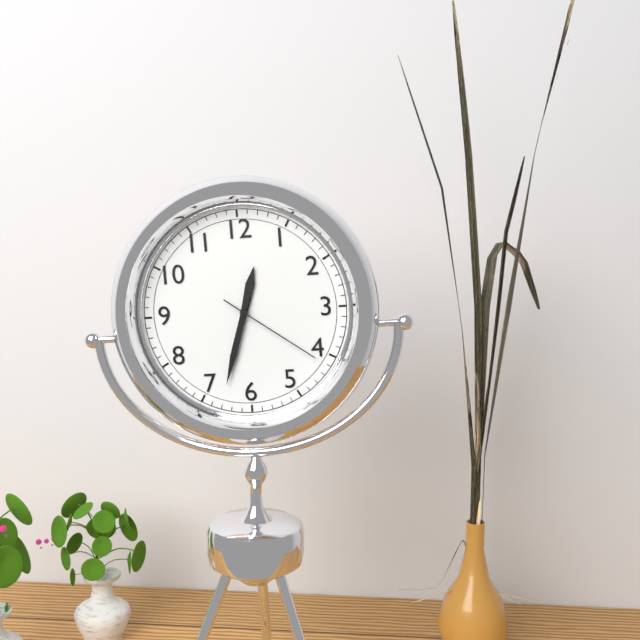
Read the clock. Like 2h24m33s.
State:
12h33m21s
